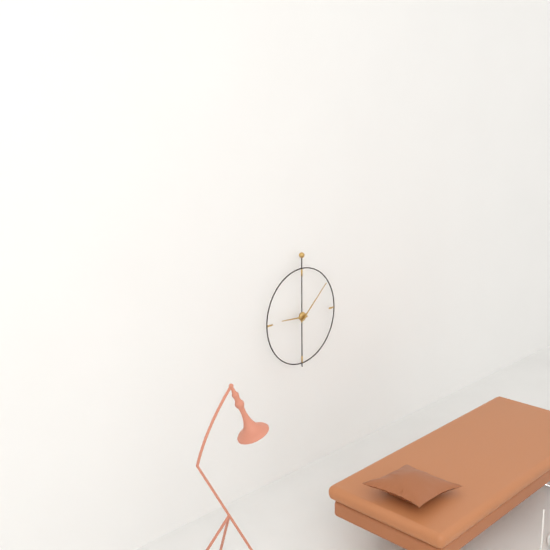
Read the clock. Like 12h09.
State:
9h08
